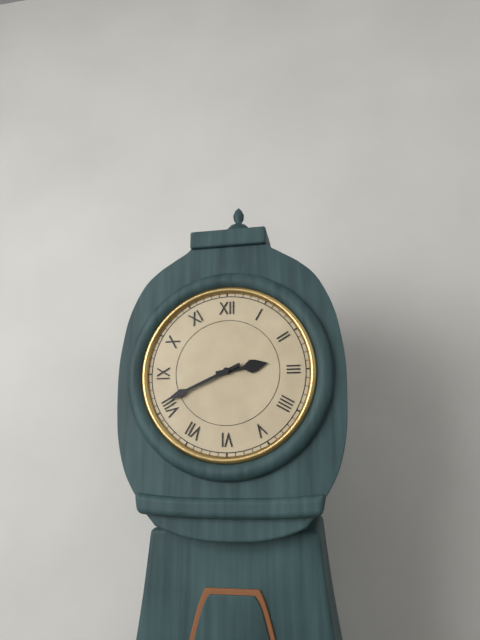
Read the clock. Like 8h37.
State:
2h41
